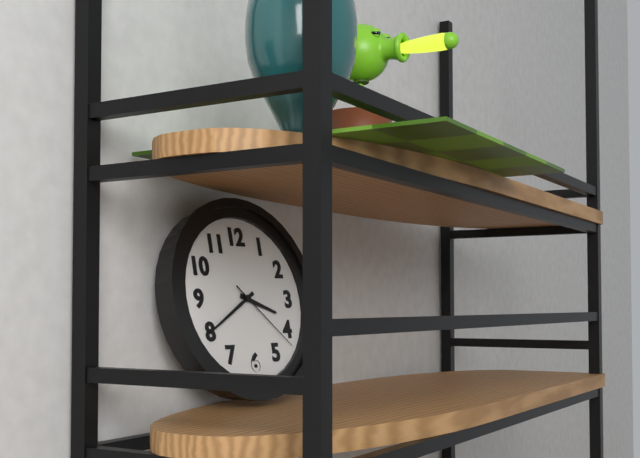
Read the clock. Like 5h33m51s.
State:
3h40m22s
